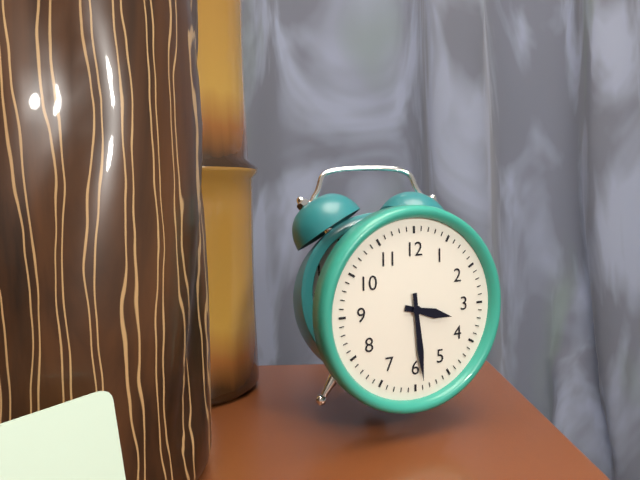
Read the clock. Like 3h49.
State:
3h29
